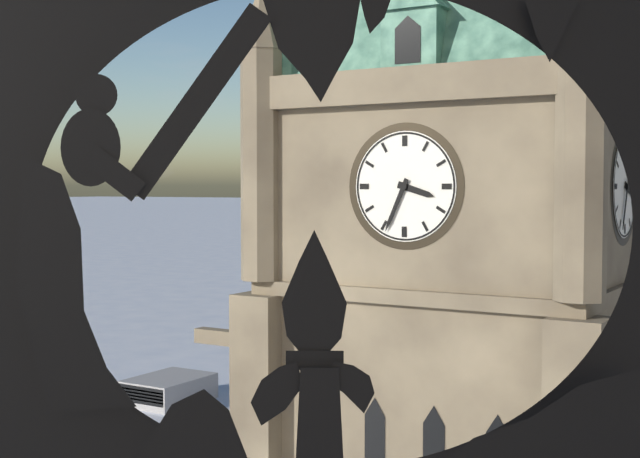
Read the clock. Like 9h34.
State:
3h34
